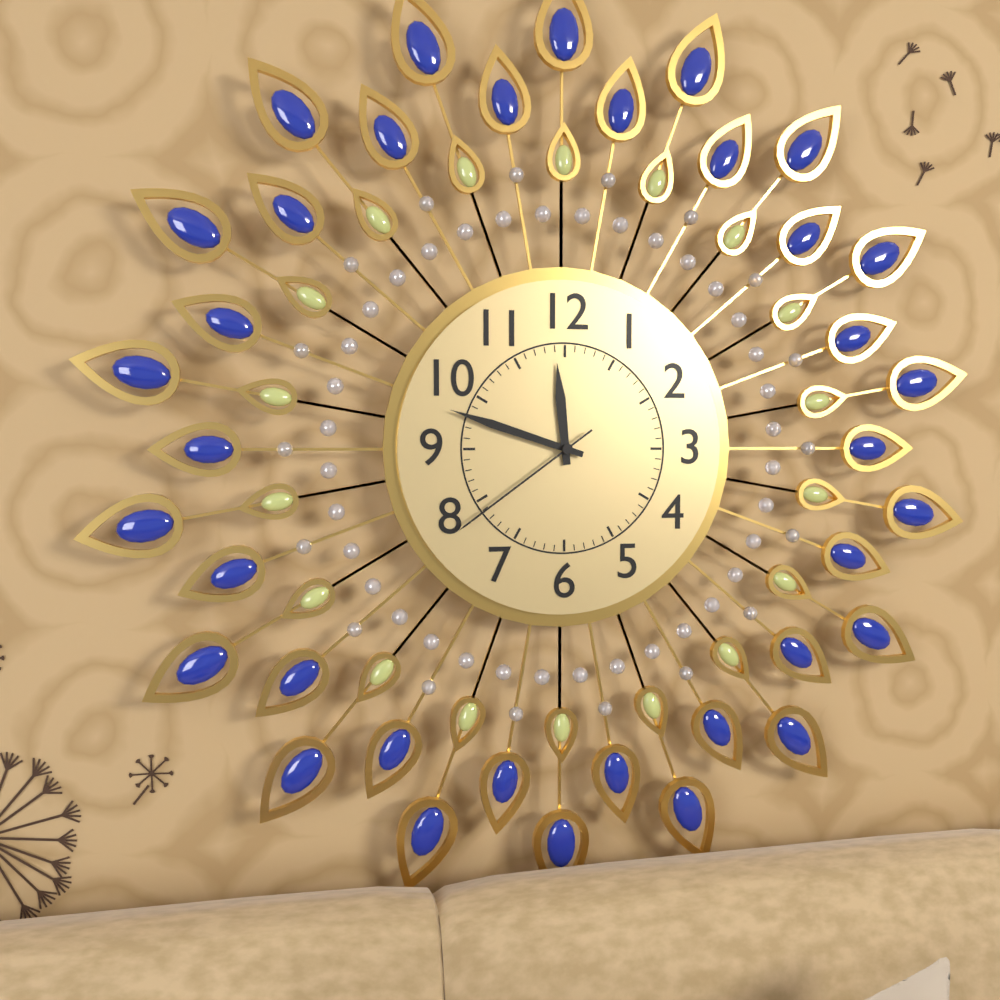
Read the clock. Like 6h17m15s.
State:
11h48m39s
